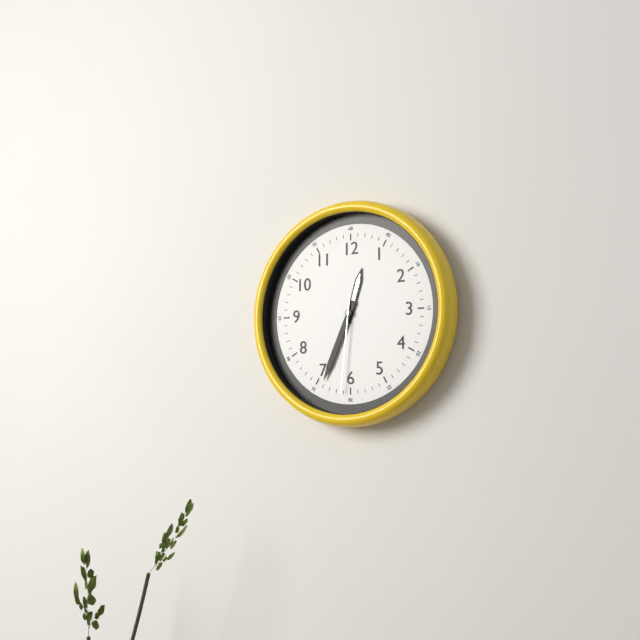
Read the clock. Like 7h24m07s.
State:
12h34m31s
